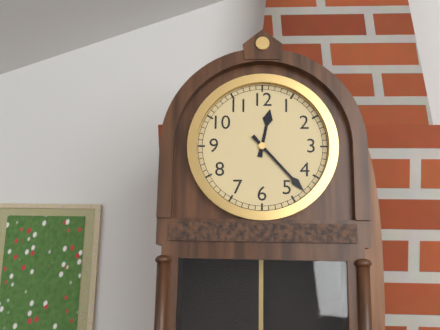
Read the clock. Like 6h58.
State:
12h23
